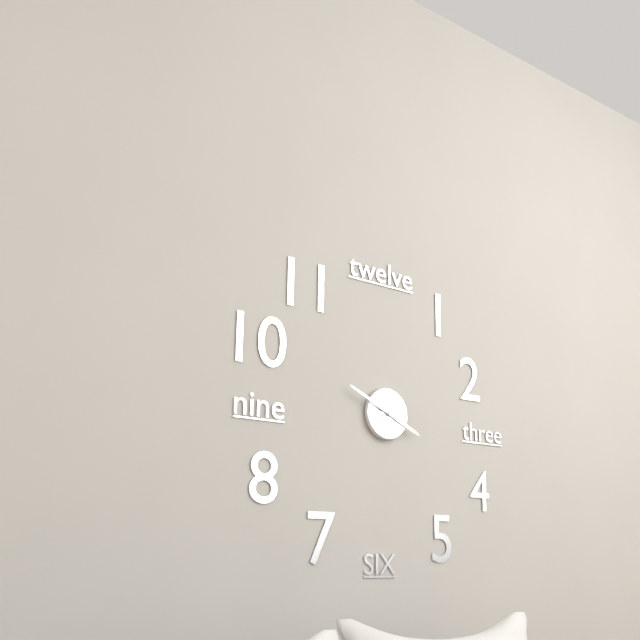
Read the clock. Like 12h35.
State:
3h49
